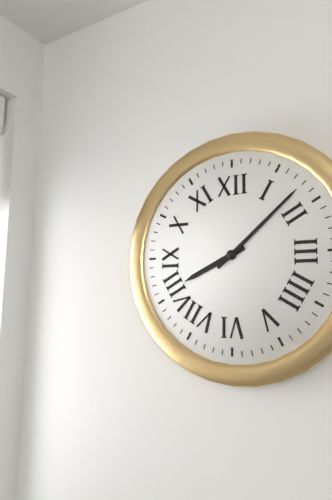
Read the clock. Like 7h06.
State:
8h08
